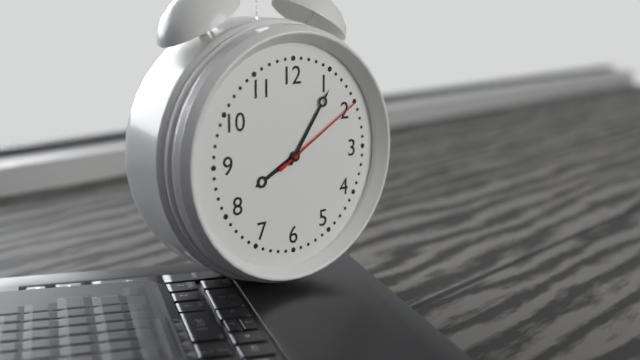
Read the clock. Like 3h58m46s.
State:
8h06m10s
